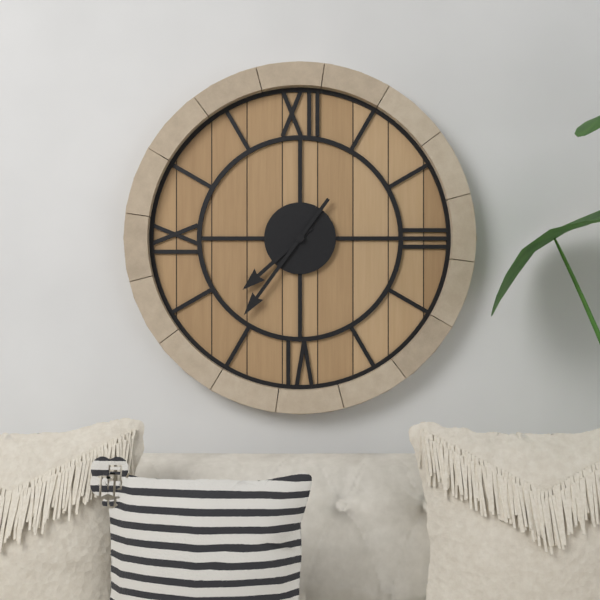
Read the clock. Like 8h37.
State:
7h36
